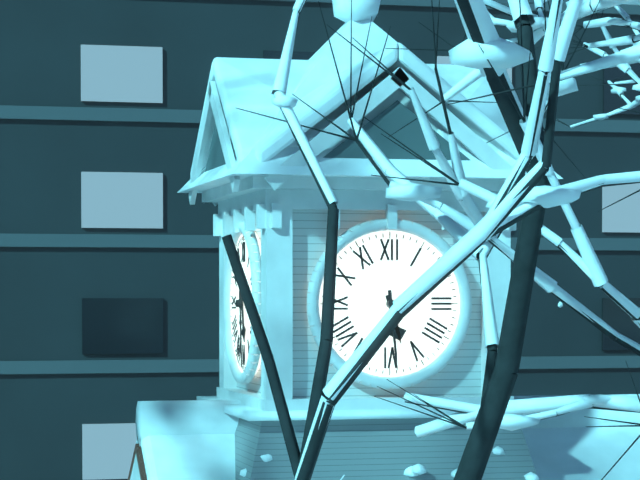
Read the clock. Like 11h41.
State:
5h29
